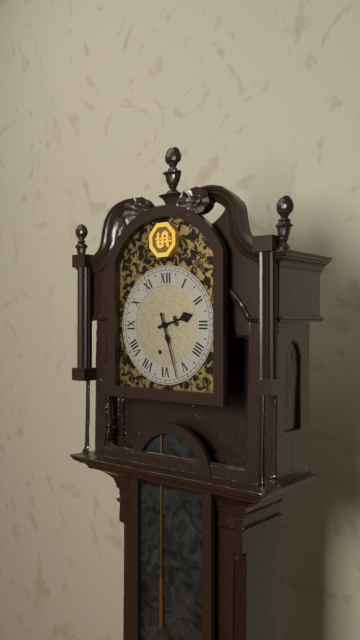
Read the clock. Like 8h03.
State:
2h27
